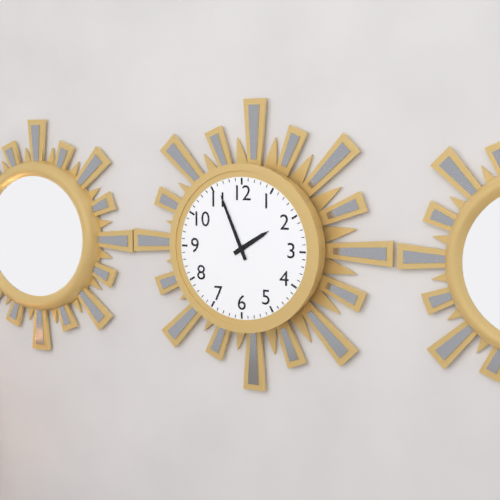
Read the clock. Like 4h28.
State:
1h56
